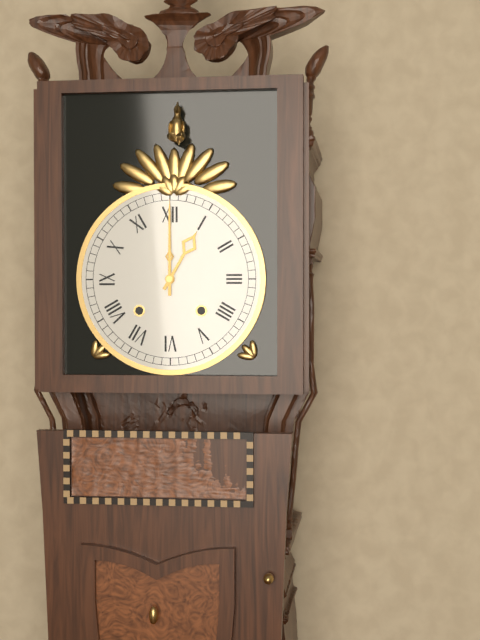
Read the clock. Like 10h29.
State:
1h00
